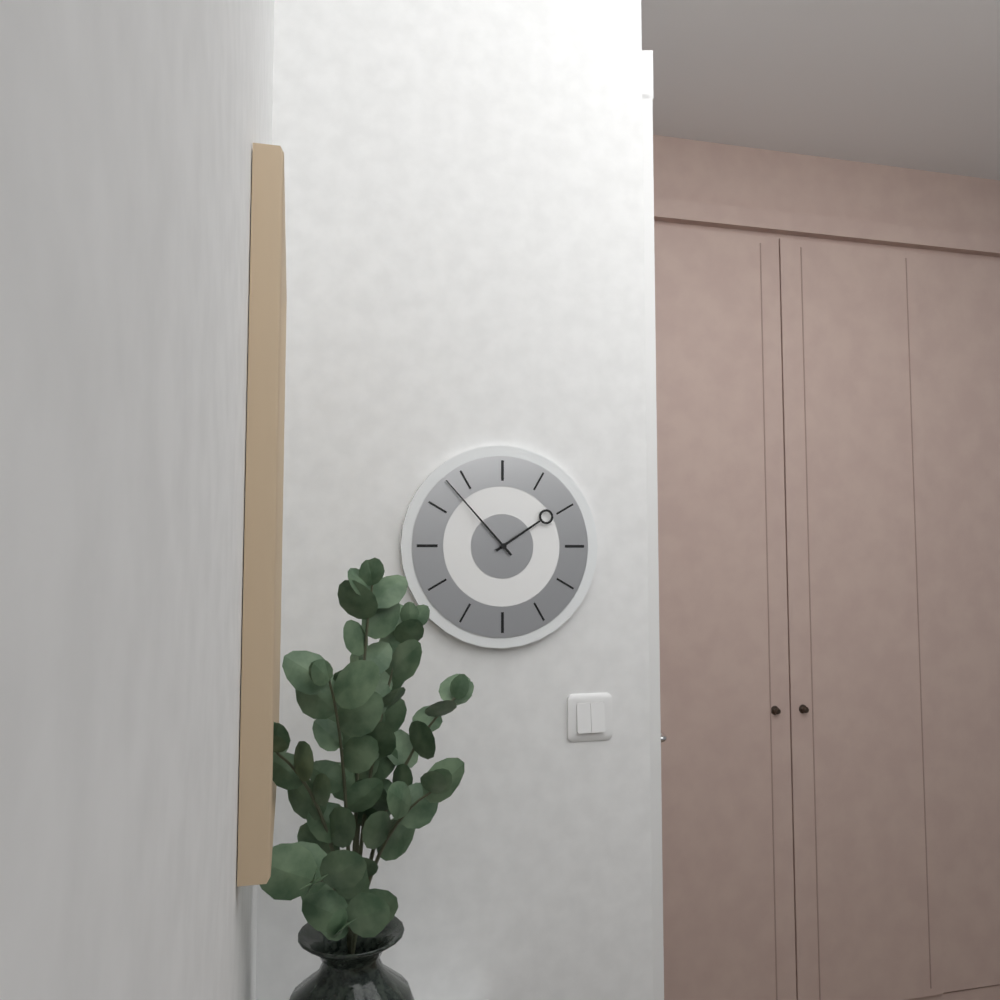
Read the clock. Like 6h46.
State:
1h53
